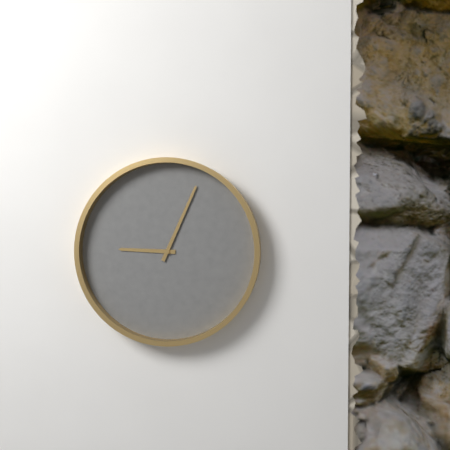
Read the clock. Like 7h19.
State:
9h04
